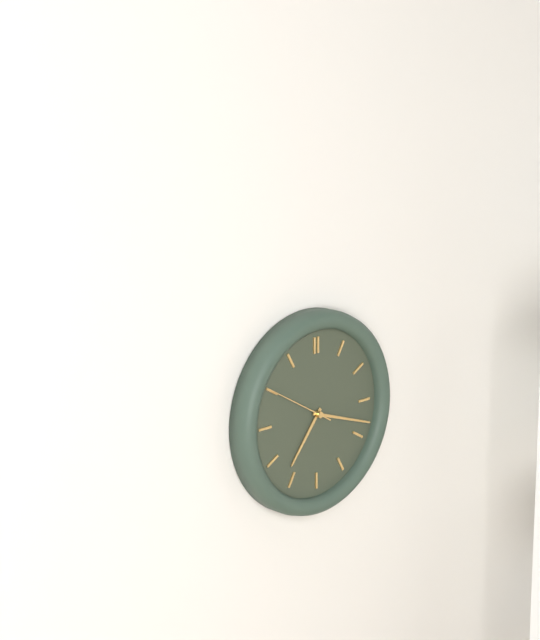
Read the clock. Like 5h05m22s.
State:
7h18m50s
